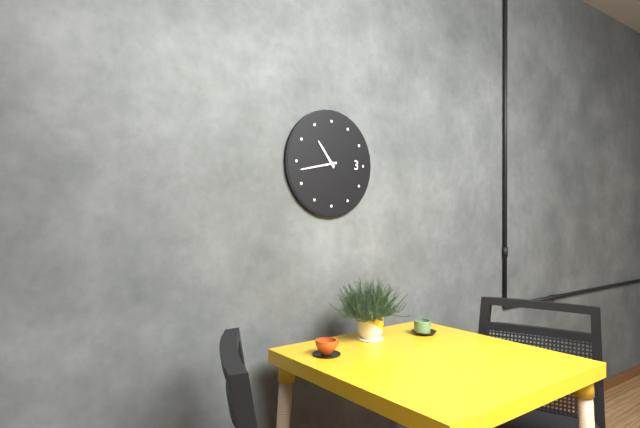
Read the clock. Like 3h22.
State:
10h43
